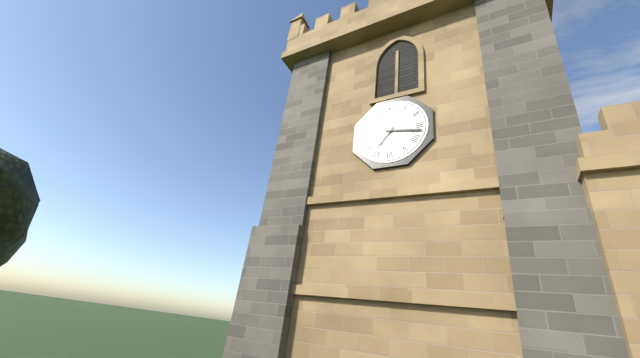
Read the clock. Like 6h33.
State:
7h17
